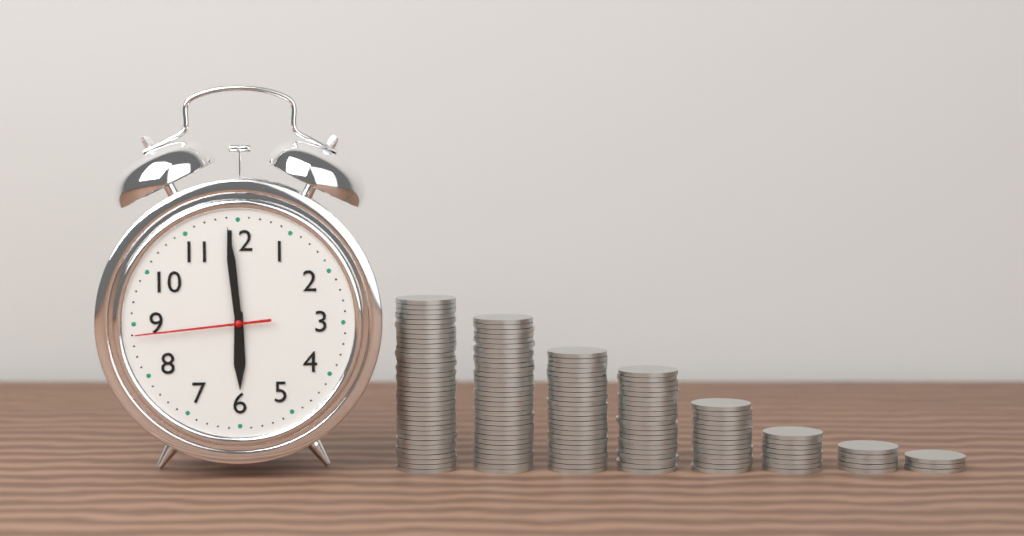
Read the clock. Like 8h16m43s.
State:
5h59m44s
